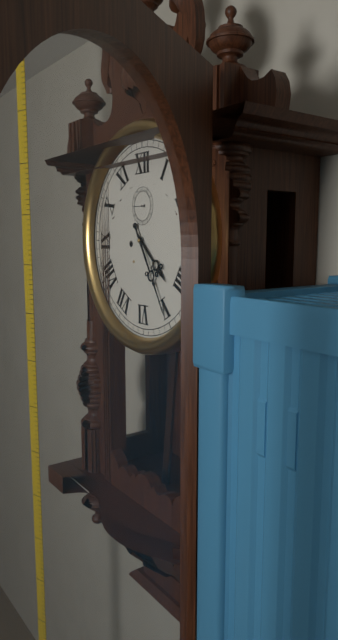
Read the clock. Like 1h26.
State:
4h25
